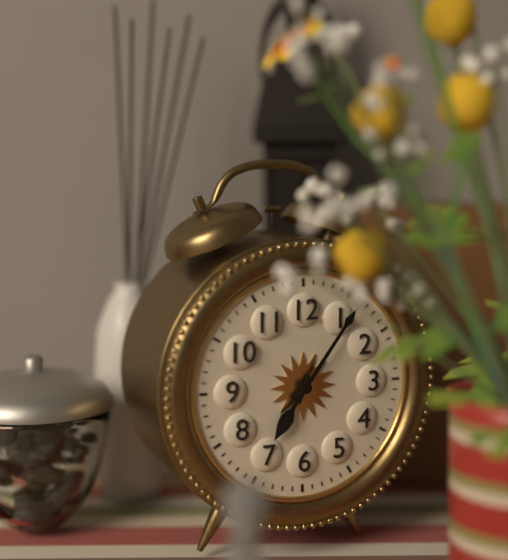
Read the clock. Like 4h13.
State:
7h06
